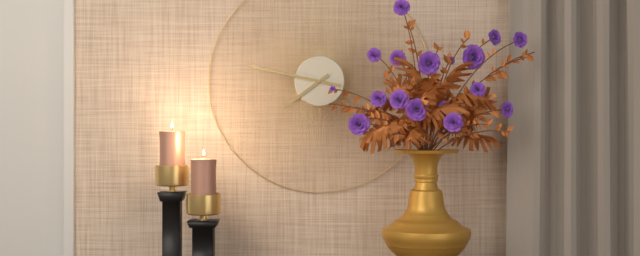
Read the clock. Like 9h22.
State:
7h47
